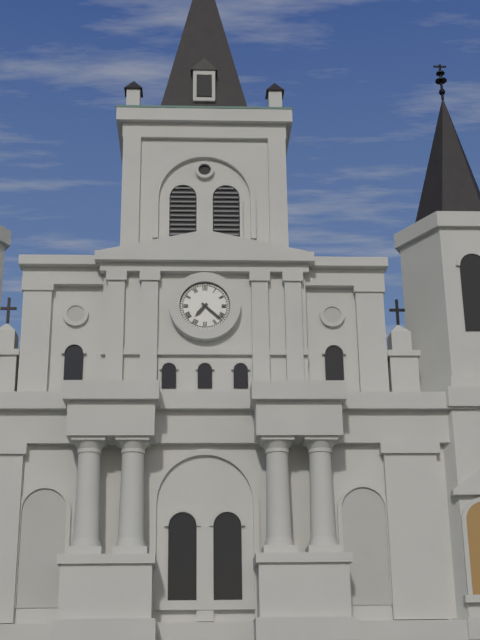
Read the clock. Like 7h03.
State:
7h22
